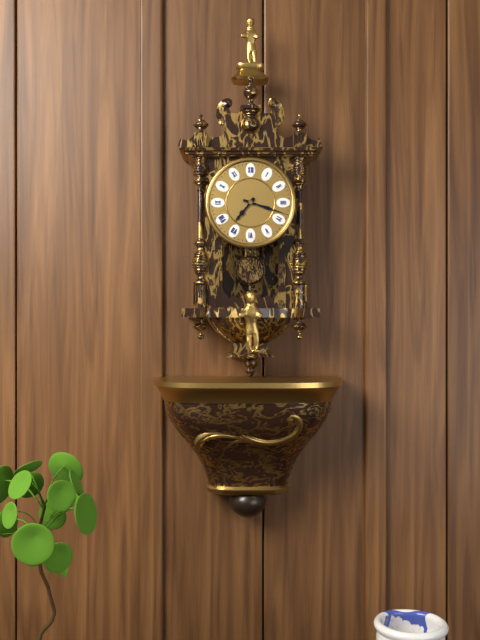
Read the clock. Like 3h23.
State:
7h18
